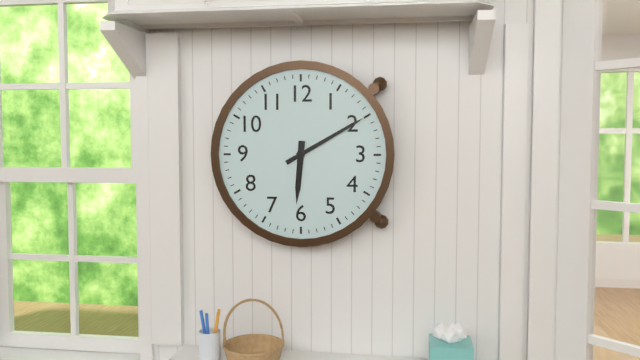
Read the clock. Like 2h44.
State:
6h10
